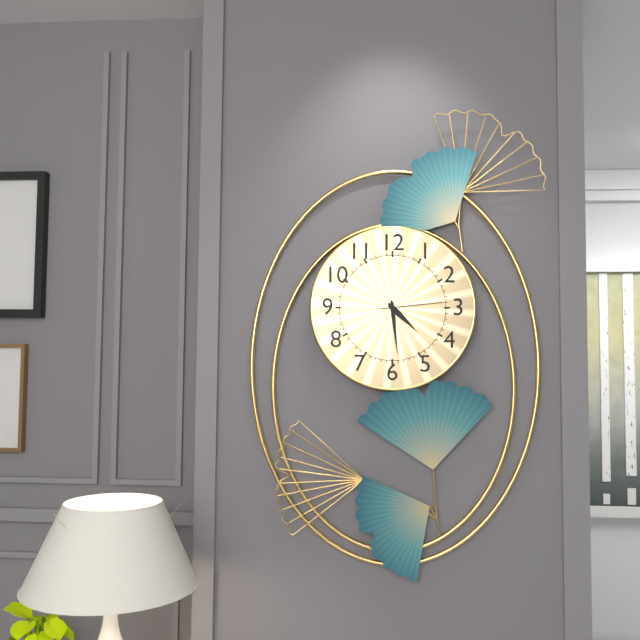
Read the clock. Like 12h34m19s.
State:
4h29m14s
